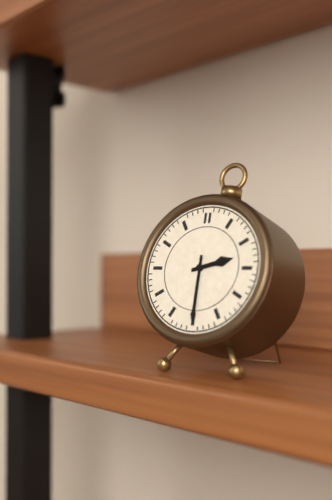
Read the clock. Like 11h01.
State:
2h30
